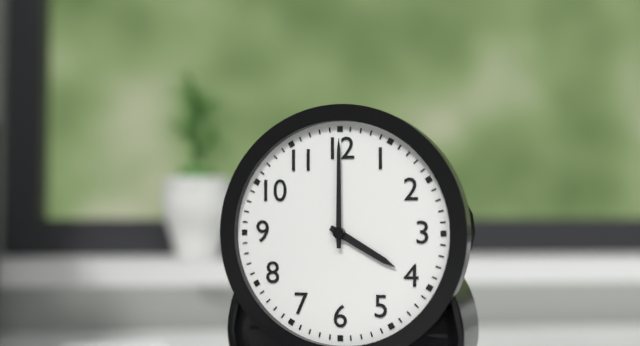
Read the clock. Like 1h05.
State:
4h00
